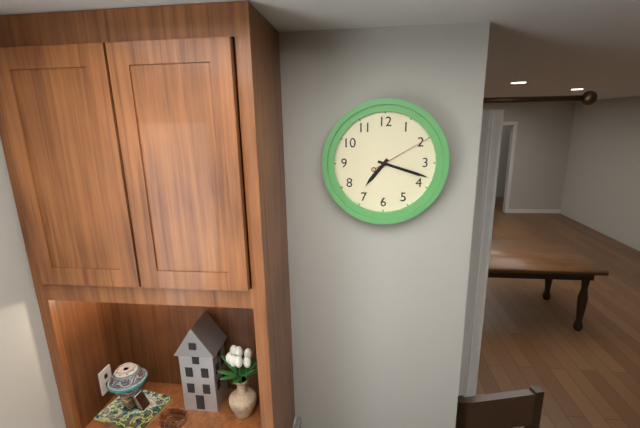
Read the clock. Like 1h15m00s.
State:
7h18m10s
